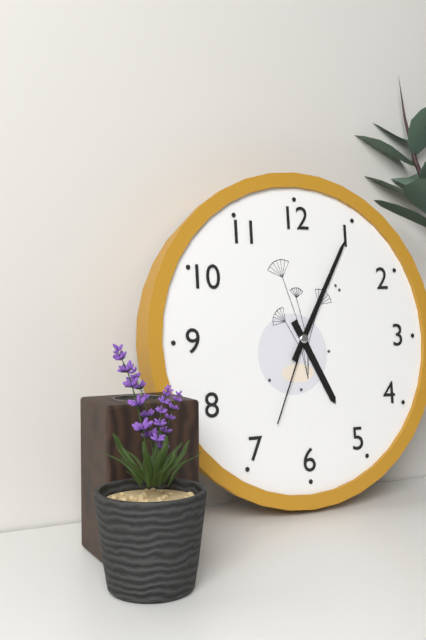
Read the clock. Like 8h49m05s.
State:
5h05m34s
